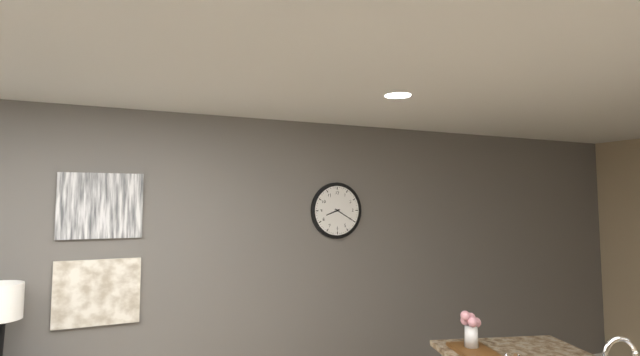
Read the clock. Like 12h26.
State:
8h20
